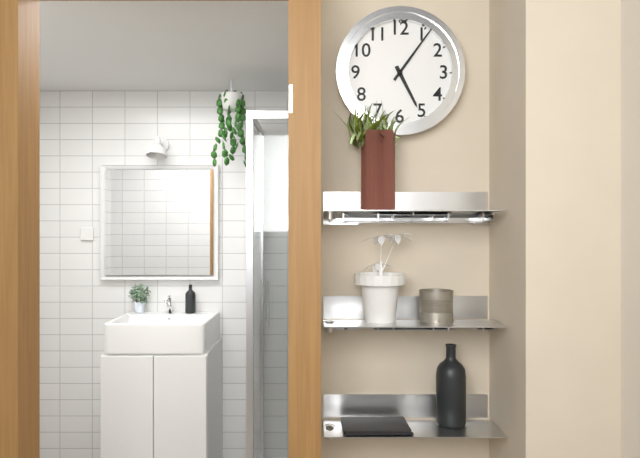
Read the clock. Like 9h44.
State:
5h06
